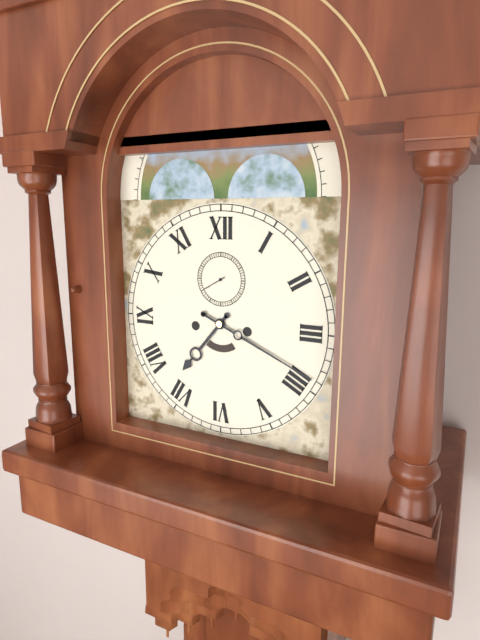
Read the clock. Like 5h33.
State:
7h19
